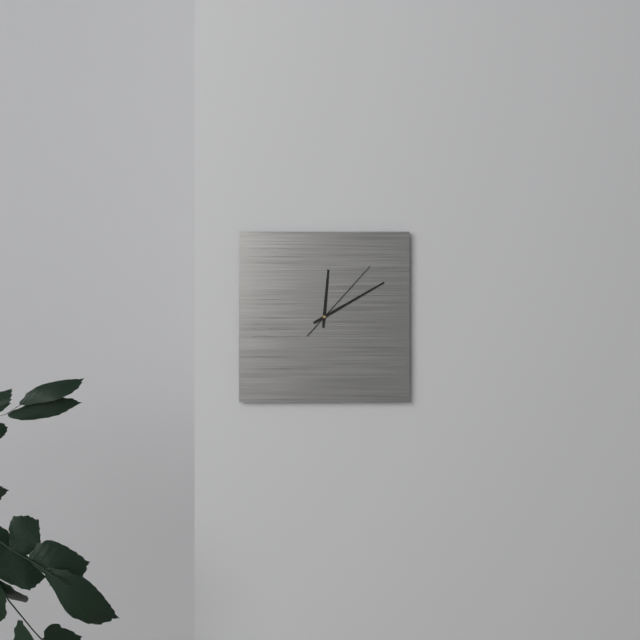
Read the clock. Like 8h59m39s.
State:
12h10m07s
